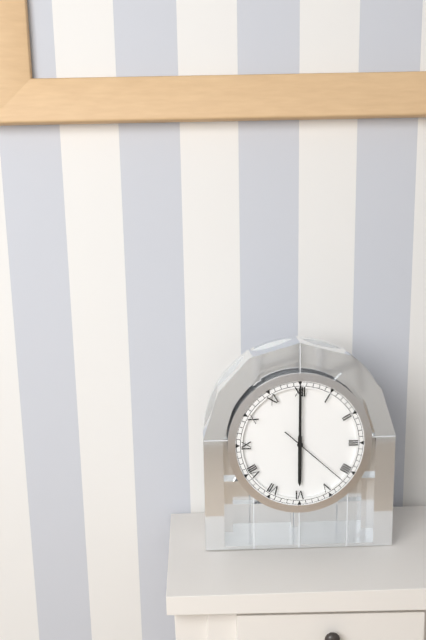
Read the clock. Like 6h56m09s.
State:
6h00m22s
